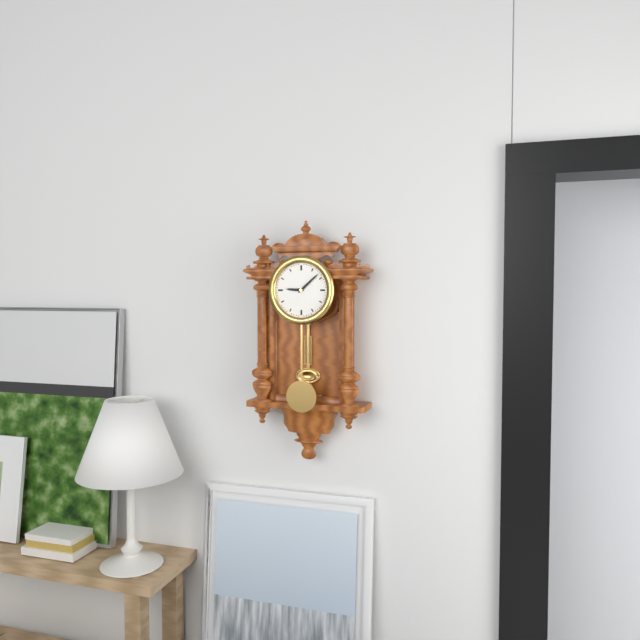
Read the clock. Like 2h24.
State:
9h08
